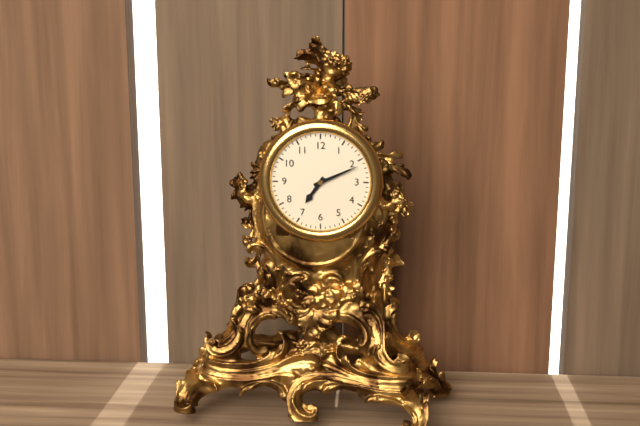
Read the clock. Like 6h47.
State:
7h11
